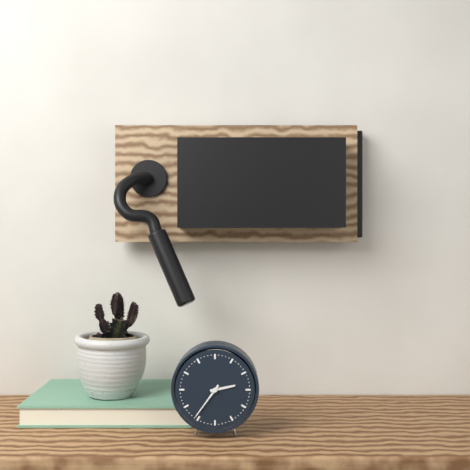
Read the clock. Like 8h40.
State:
2h36
